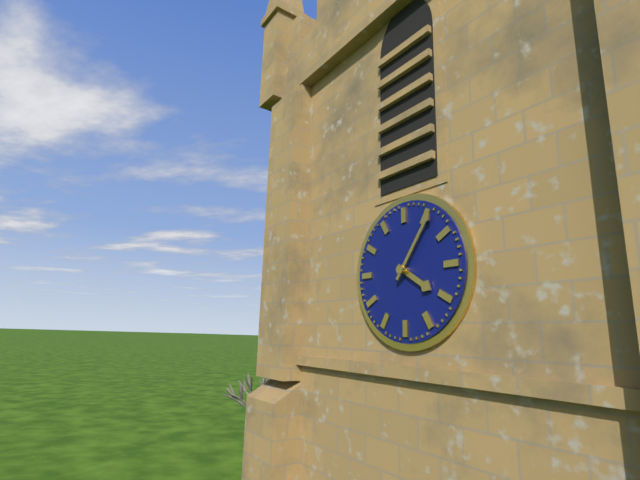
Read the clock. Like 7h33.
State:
4h06
